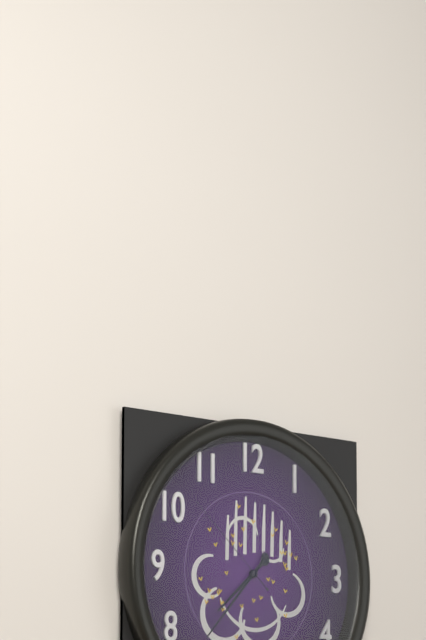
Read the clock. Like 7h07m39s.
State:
7h37m52s
